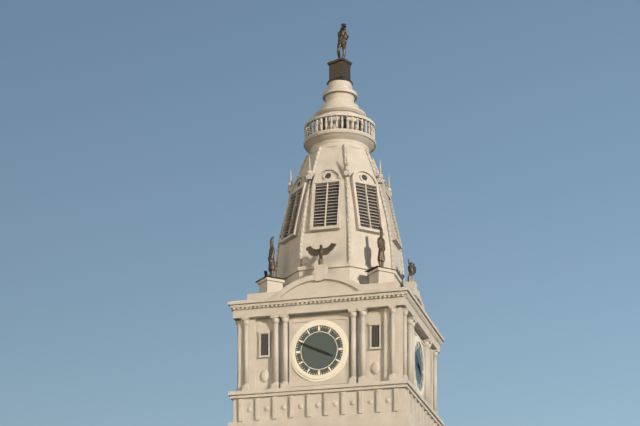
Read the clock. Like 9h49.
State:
3h49
